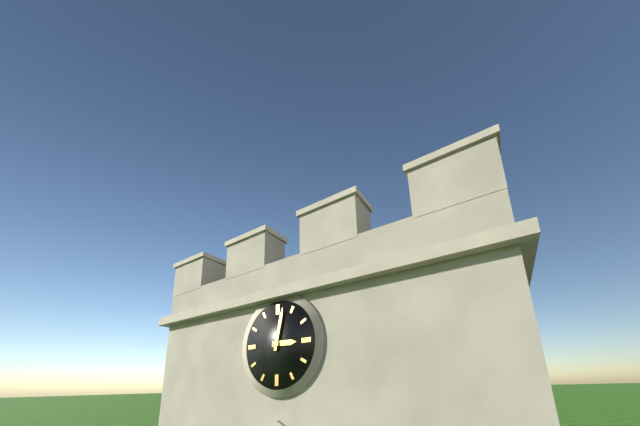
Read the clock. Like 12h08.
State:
3h02
